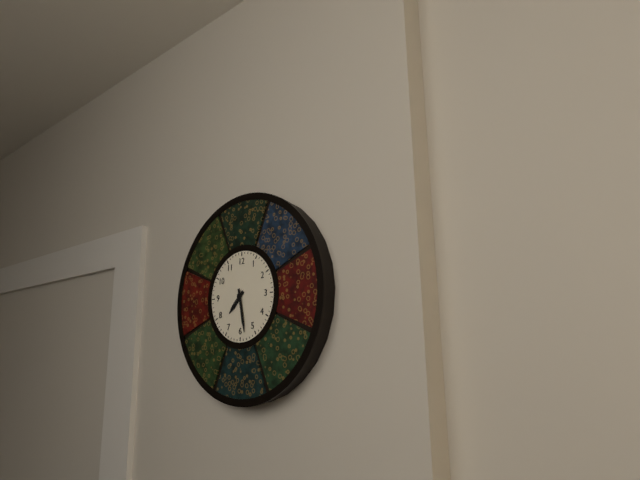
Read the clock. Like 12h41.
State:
7h28
